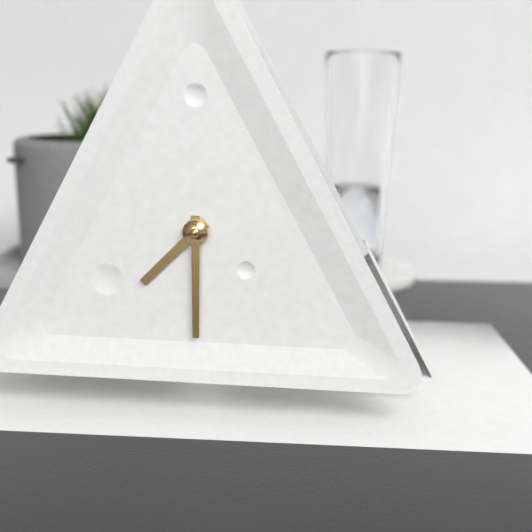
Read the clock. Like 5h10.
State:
7h30
